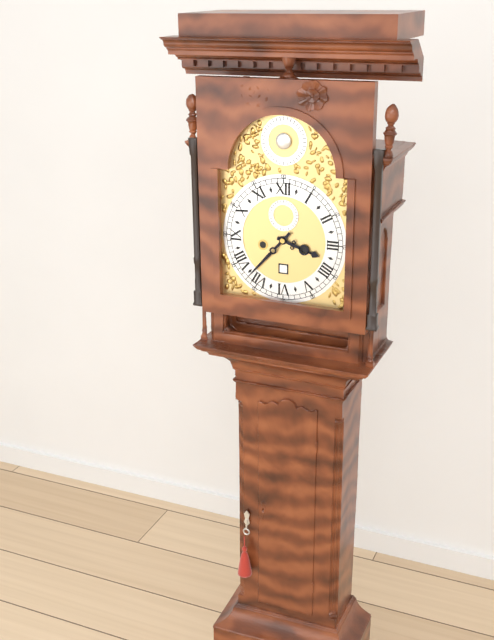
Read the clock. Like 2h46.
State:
3h37
